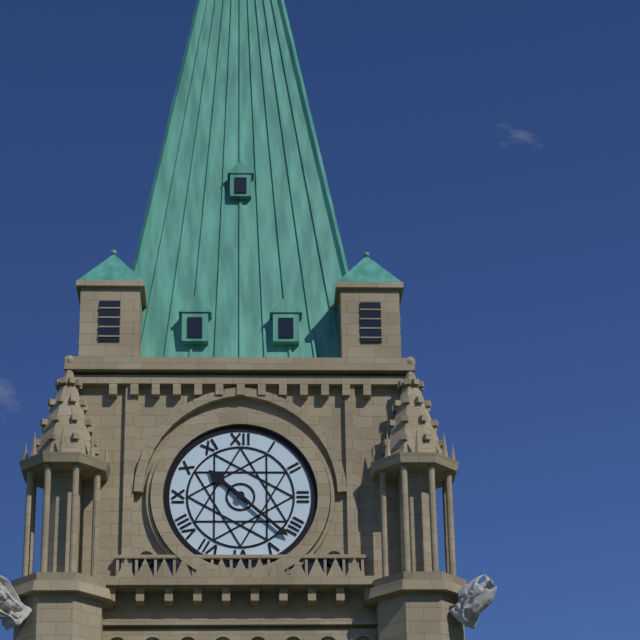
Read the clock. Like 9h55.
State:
10h22
